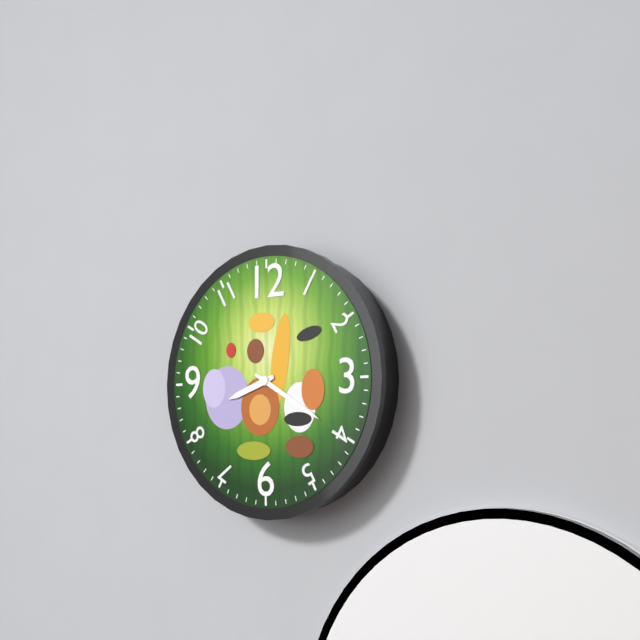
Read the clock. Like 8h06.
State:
8h20
